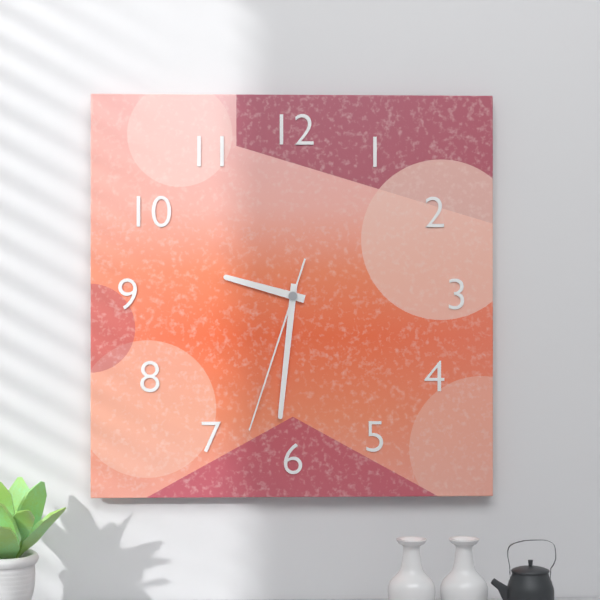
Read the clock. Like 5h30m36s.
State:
9h31m33s
